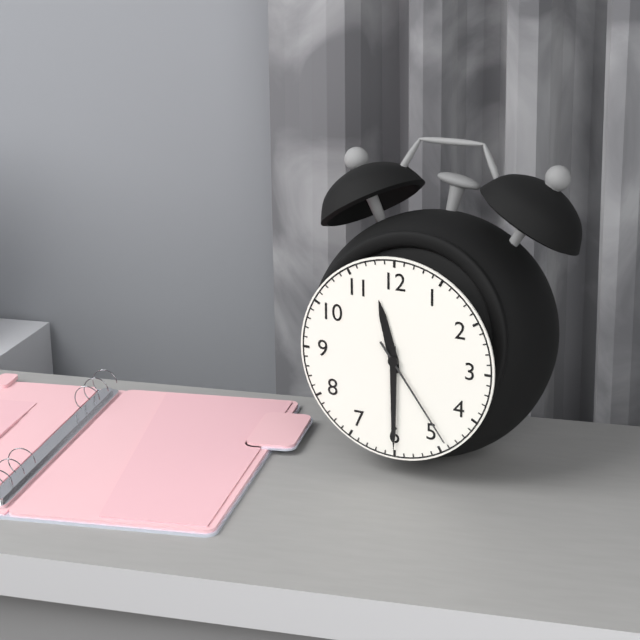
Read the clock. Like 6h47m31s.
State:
11h30m24s
